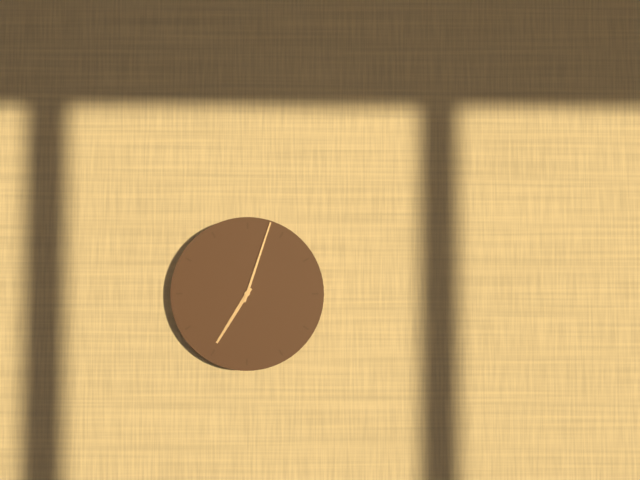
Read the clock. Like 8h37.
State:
7h03
